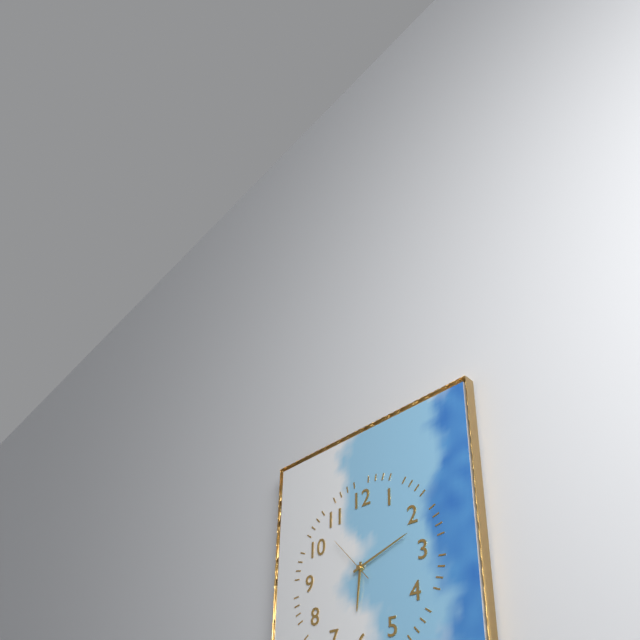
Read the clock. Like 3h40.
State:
6h12
